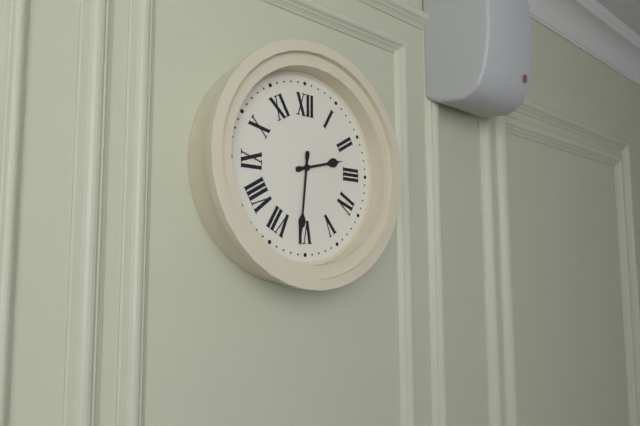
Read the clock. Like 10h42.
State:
2h31
